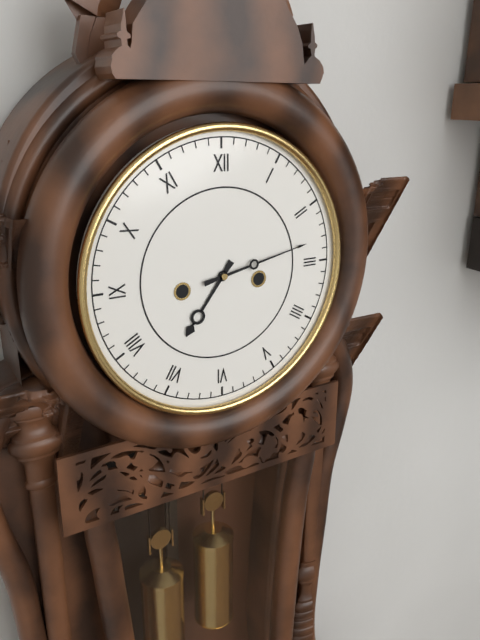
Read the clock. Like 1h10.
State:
7h13
